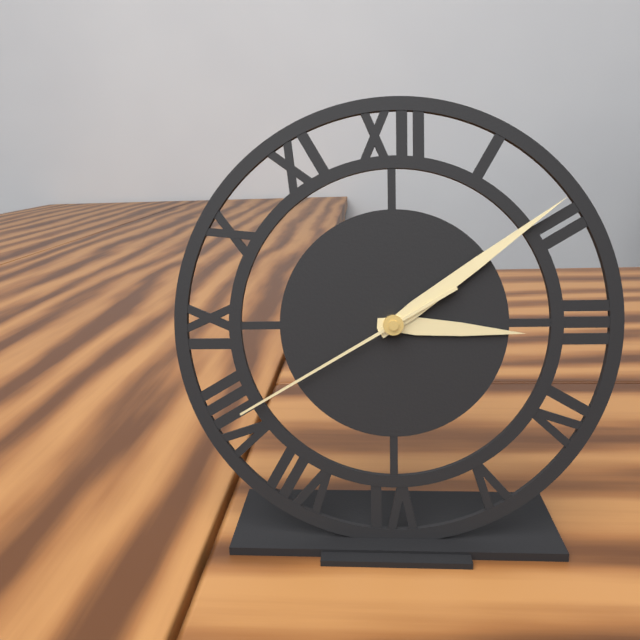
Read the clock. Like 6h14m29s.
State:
3h09m40s
